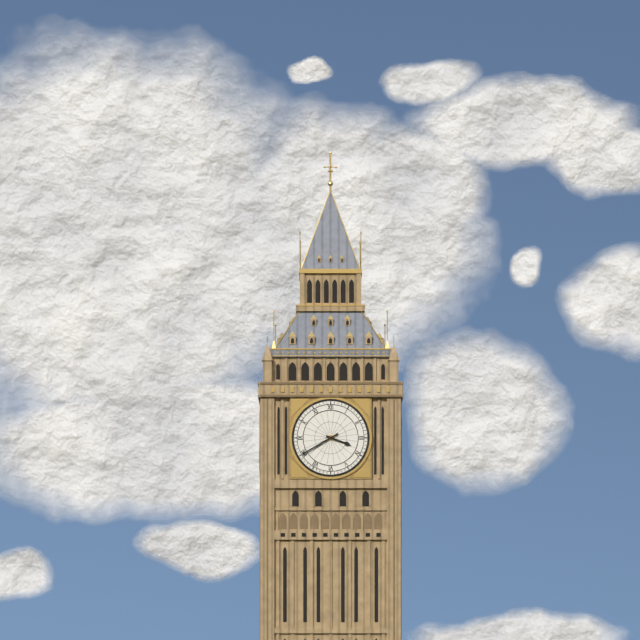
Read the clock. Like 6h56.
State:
3h40
